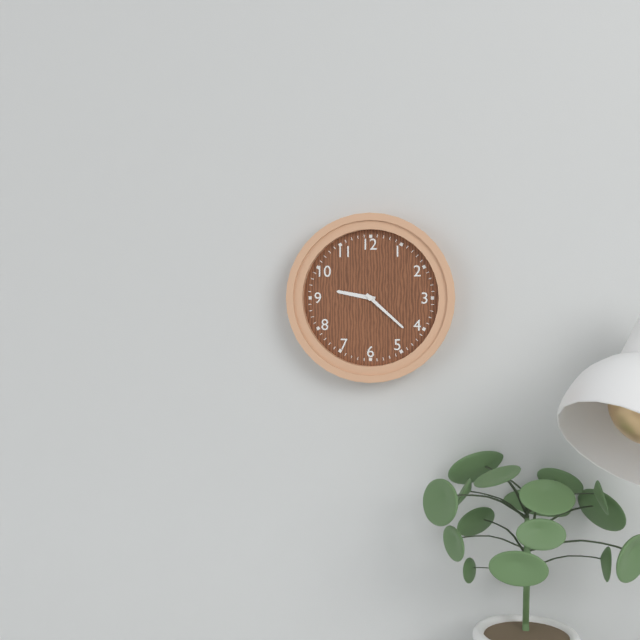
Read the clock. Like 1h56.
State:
9h22
